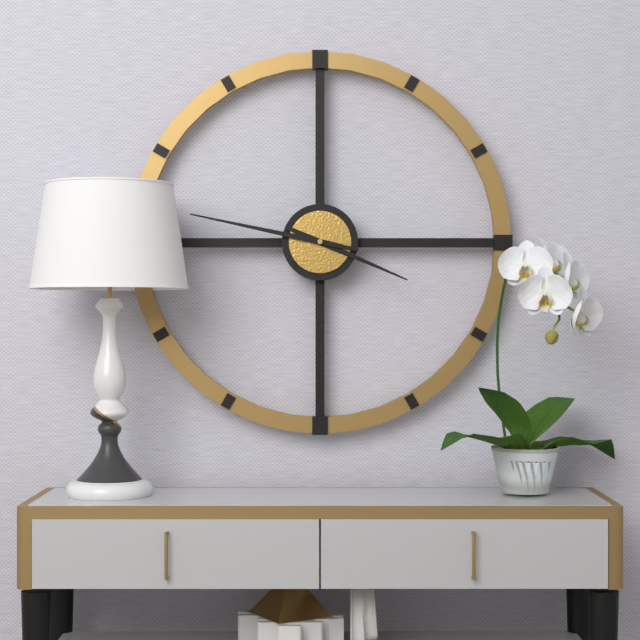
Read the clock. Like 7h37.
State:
3h47
